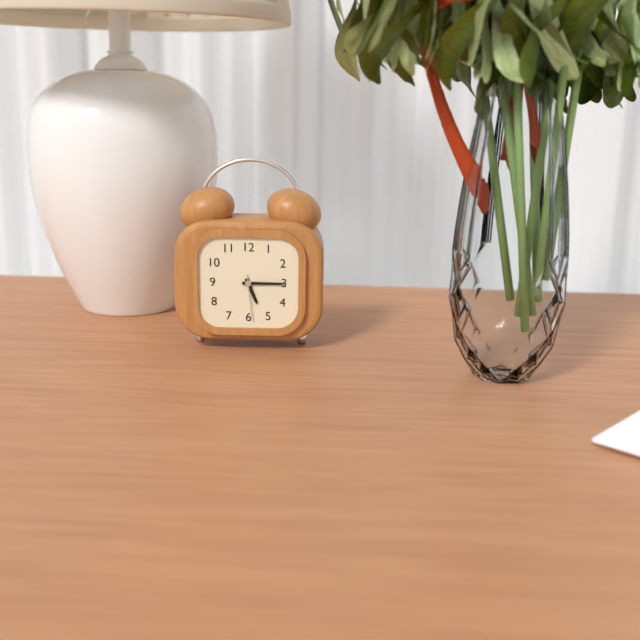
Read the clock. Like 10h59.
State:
5h15
